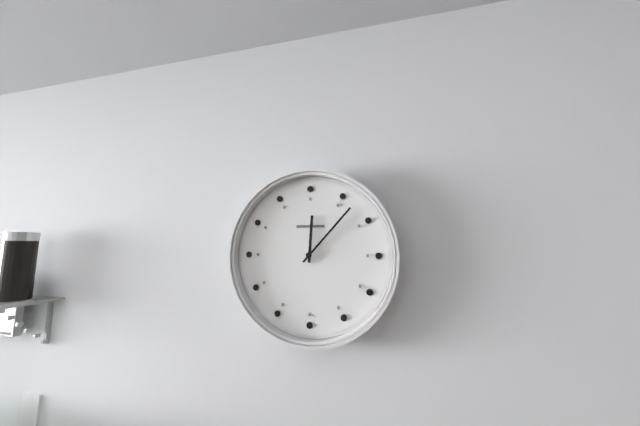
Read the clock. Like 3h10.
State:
12h07
